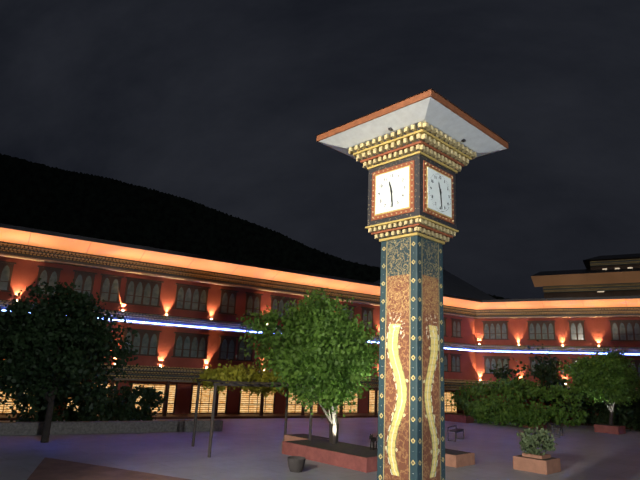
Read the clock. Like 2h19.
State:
11h29
